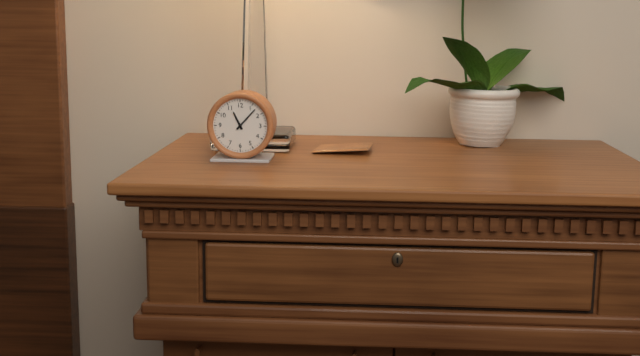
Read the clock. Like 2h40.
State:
11h07
